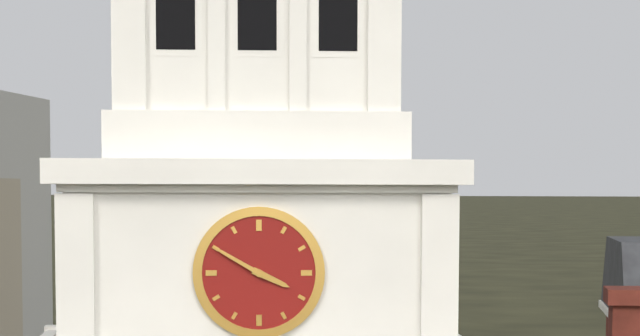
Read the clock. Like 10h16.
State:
3h50
